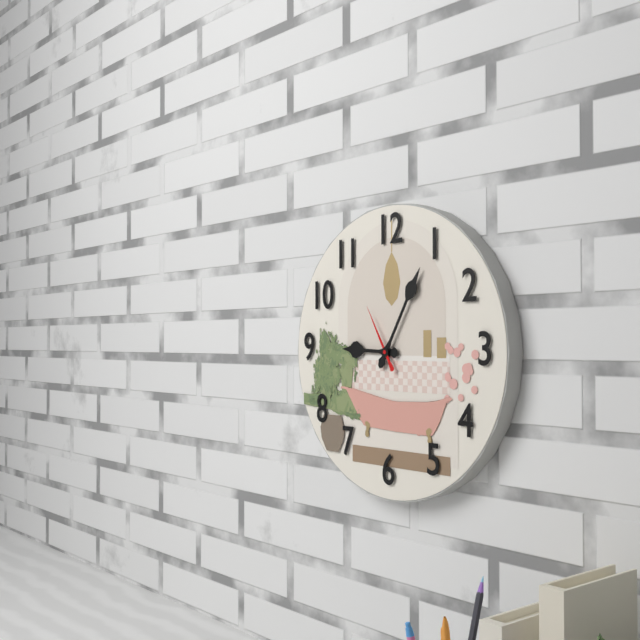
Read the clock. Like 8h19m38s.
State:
9h05m55s
